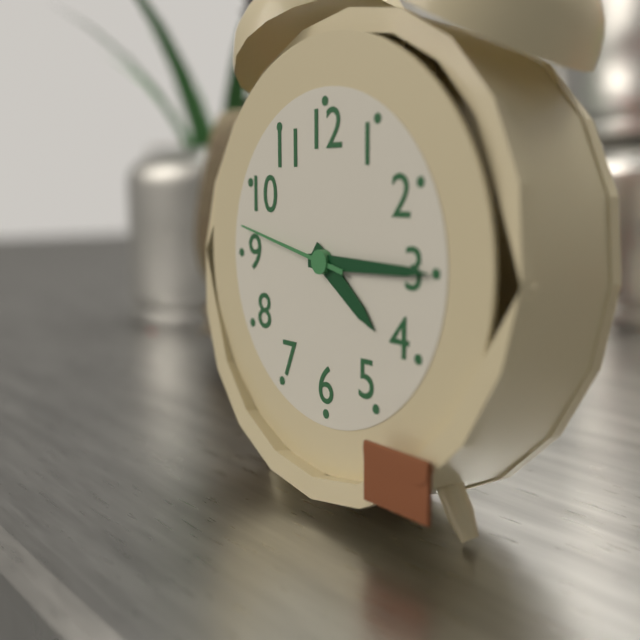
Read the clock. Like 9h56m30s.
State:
4h15m47s
